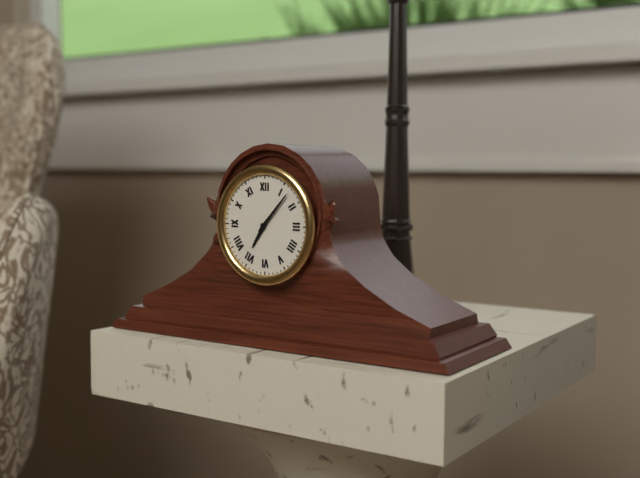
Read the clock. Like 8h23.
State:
7h07
